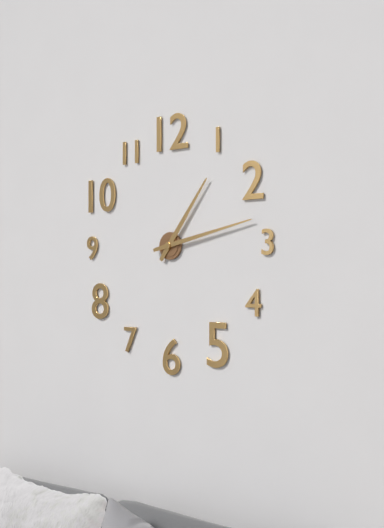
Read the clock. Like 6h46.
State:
1h13
